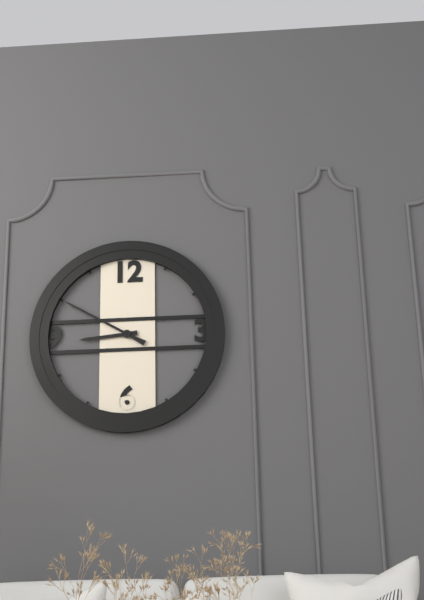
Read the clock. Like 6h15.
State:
8h50
